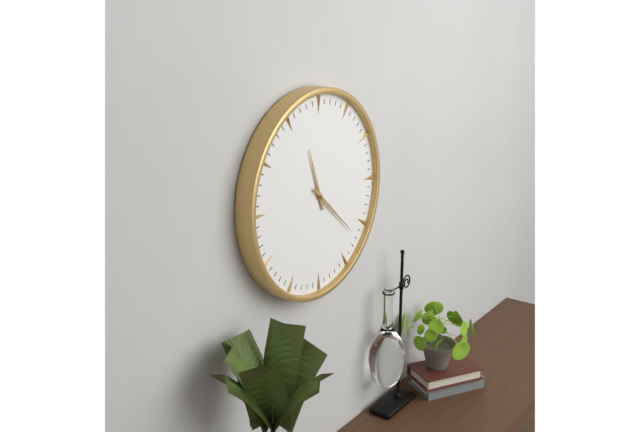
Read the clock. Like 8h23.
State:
11h22
